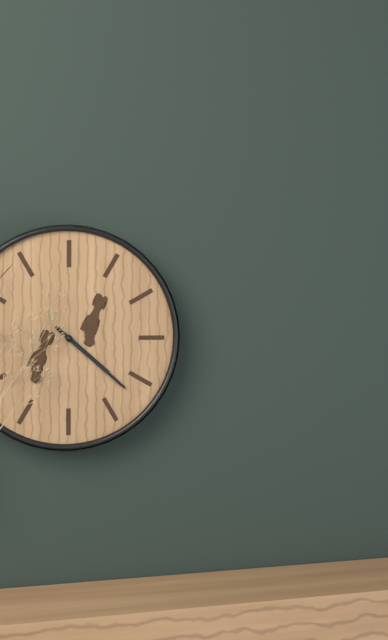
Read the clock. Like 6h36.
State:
4h22
